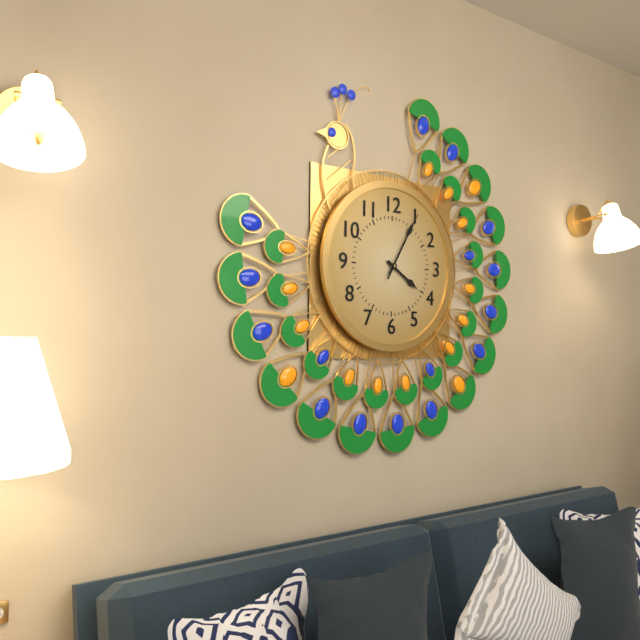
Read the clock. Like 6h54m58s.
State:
4h05m05s
